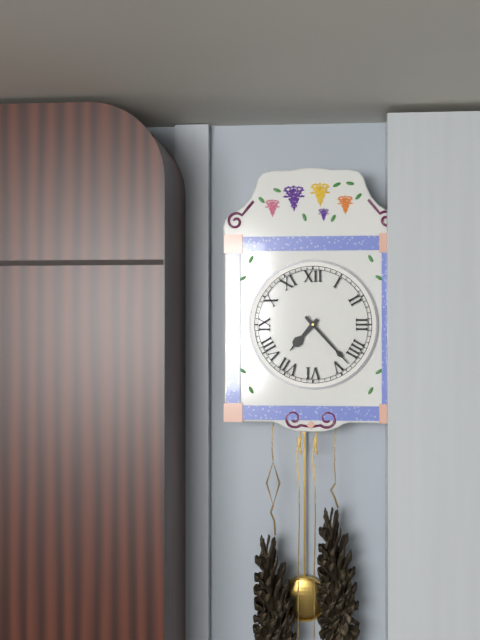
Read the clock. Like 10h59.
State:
7h23
